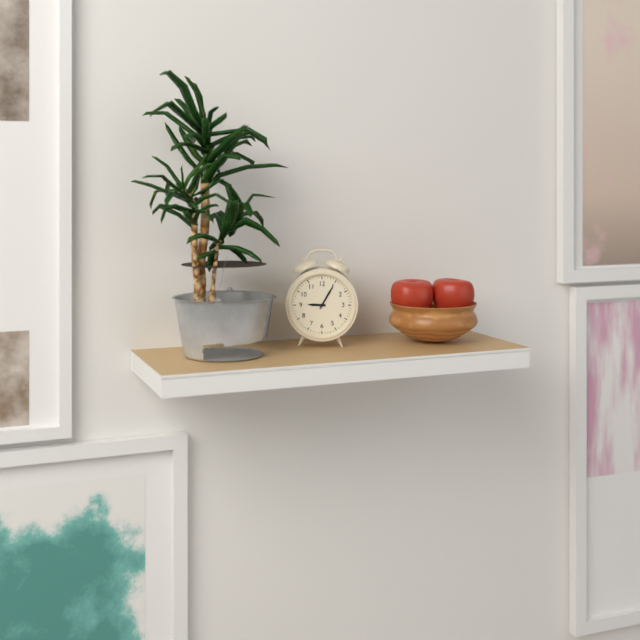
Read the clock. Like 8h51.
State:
9h05
